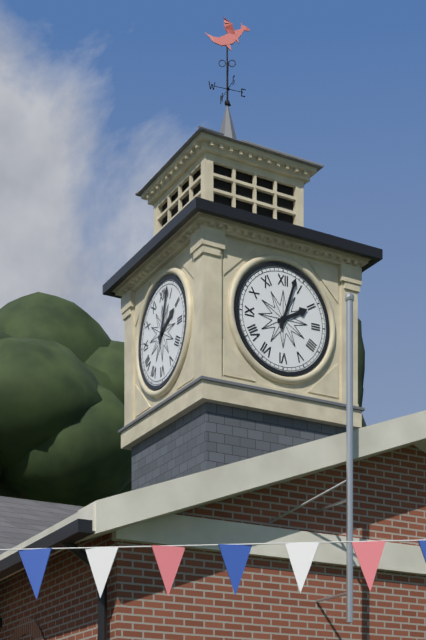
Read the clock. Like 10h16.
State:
2h03
